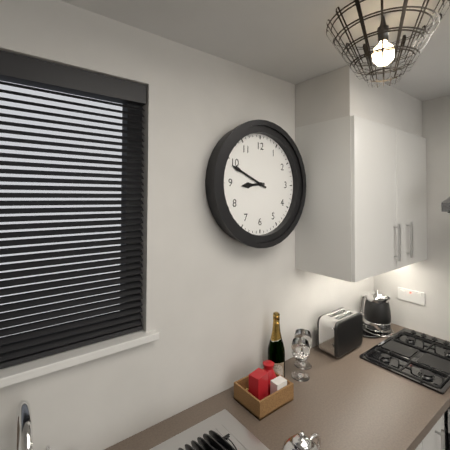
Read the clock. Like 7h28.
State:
8h49
